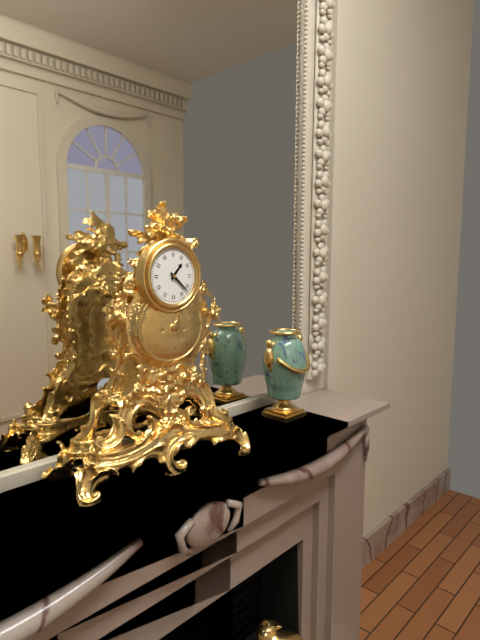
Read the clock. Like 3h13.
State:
1h22
